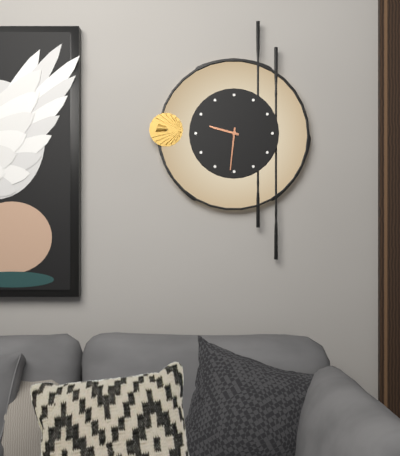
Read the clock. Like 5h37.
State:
9h31
